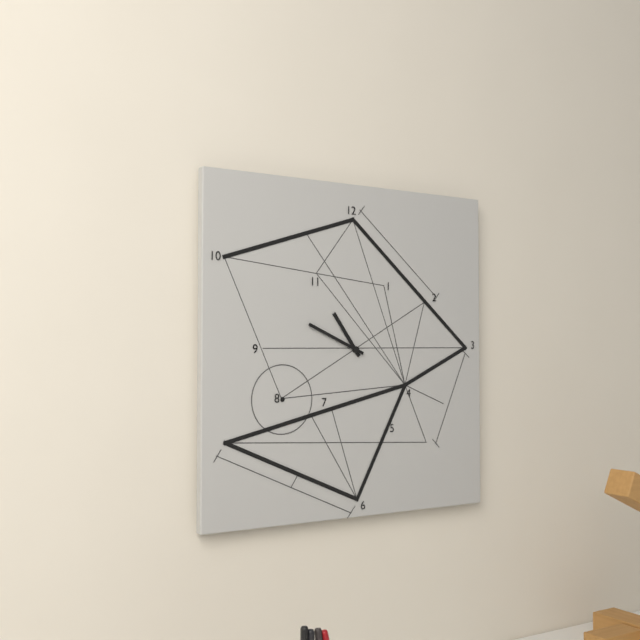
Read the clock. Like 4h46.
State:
10h49
